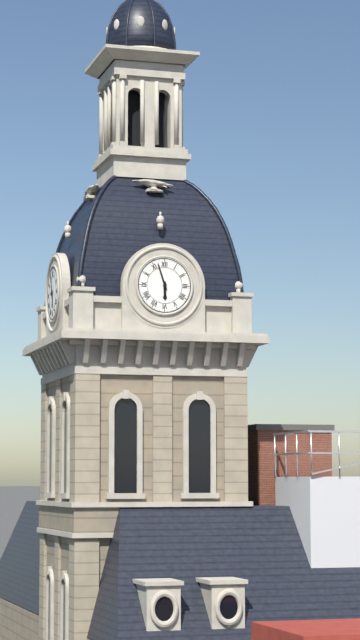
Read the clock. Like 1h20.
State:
5h57
